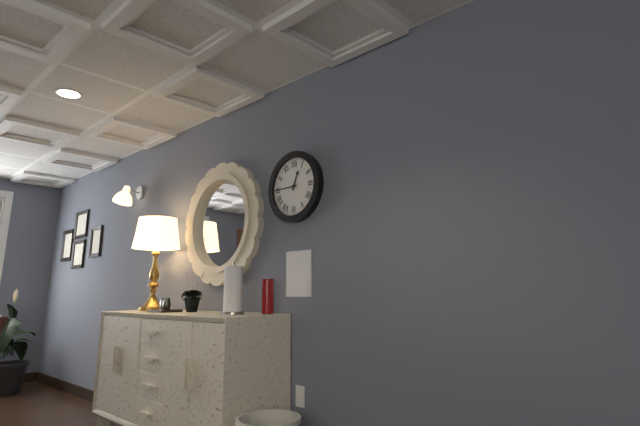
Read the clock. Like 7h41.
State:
12h45
